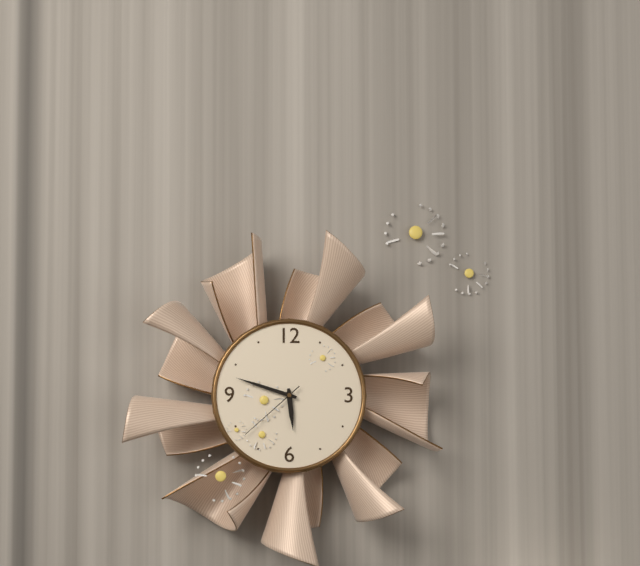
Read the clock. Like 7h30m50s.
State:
5h48m38s
